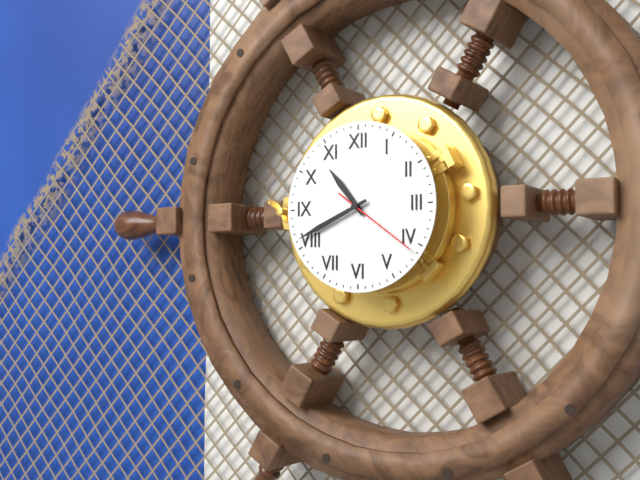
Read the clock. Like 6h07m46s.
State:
10h41m21s
